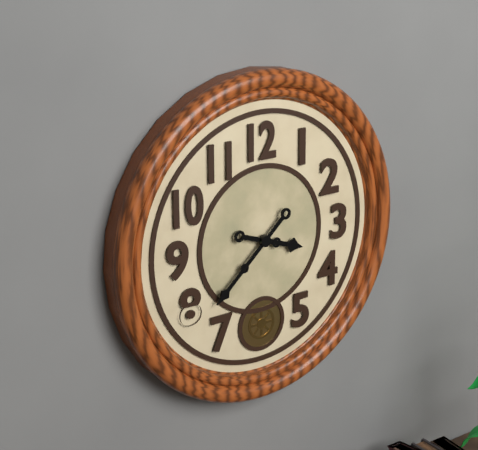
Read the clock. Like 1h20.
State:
3h38
